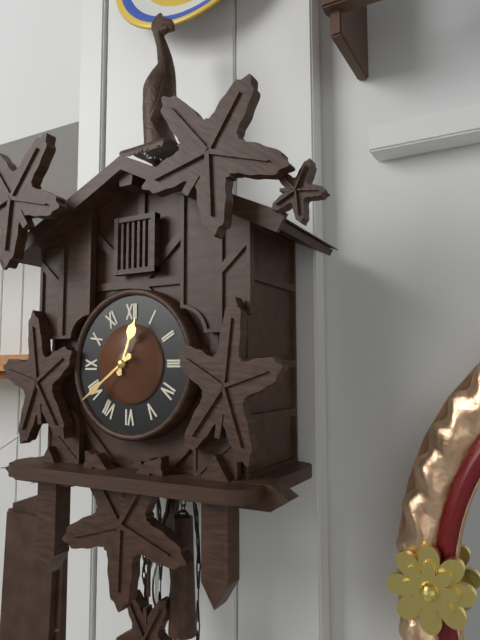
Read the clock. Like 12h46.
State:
12h39
